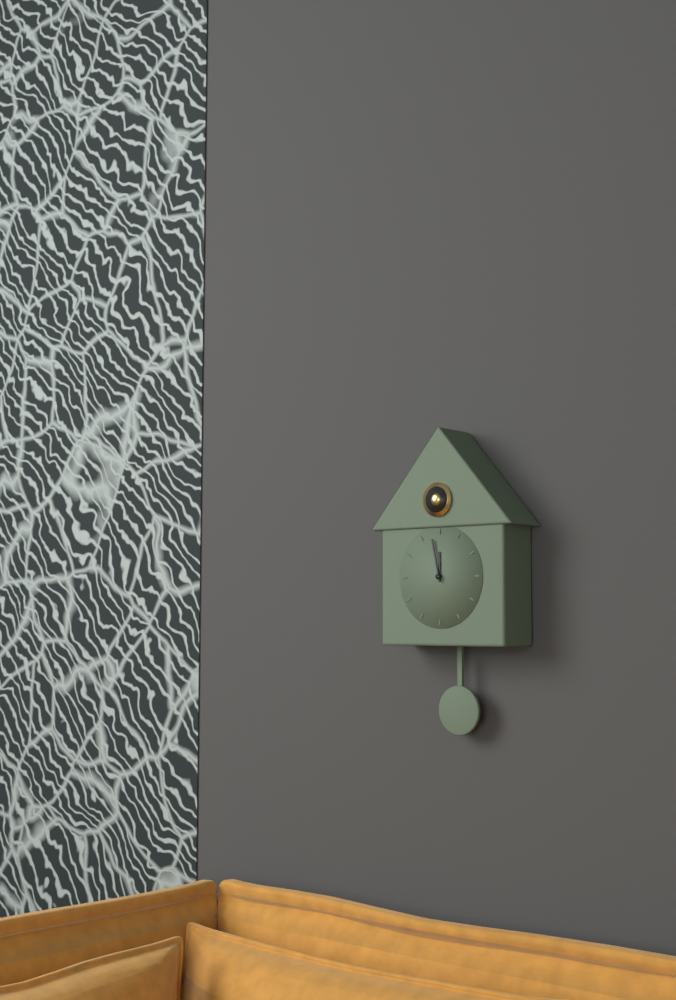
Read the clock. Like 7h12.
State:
11h58
